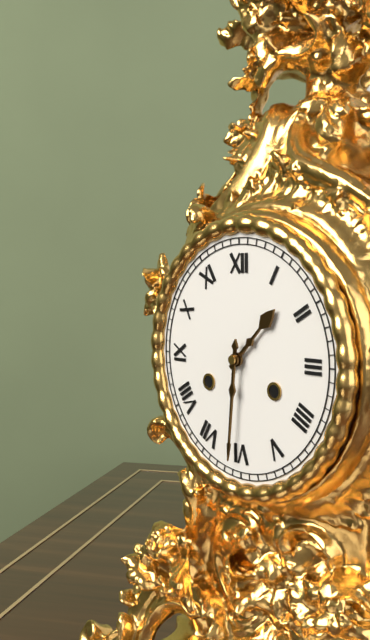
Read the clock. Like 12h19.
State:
1h31
